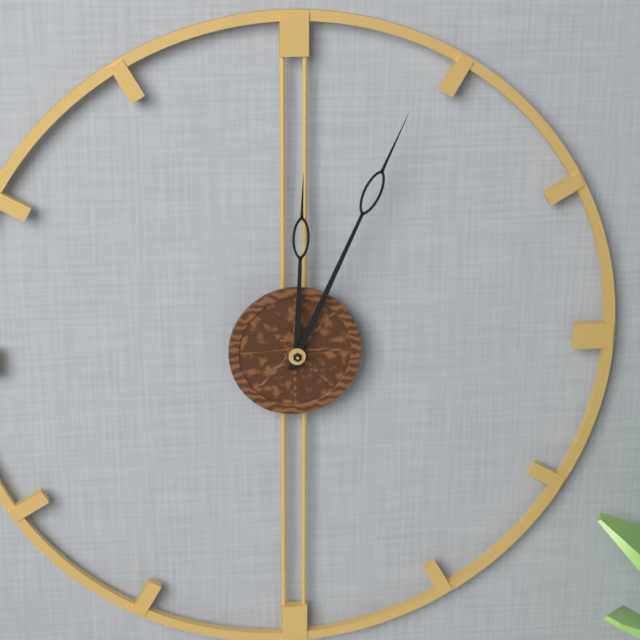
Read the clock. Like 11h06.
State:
12h04
